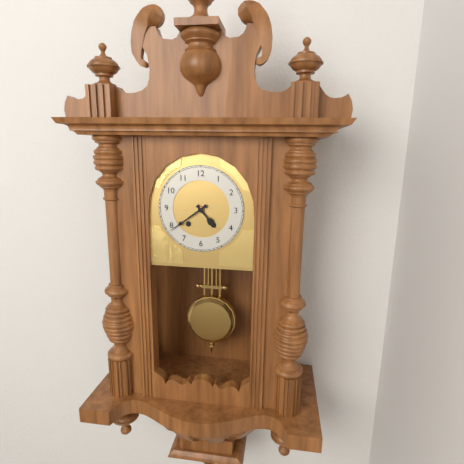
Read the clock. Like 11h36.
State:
4h39
